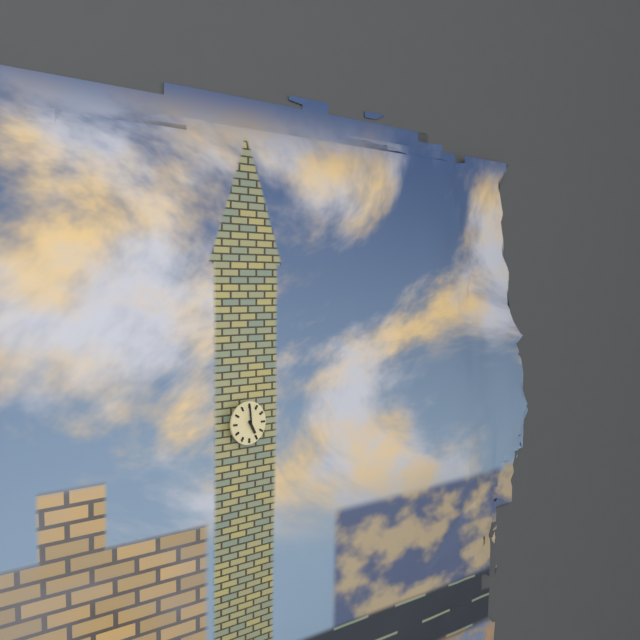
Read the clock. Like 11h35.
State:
4h59
